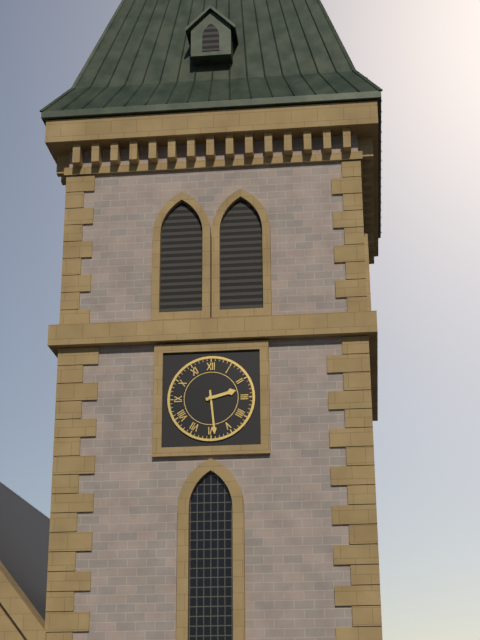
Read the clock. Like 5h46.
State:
2h29
